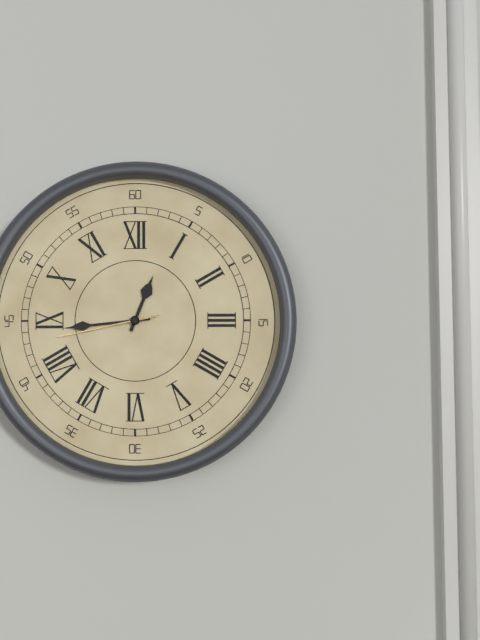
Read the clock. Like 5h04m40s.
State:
12h44m43s
